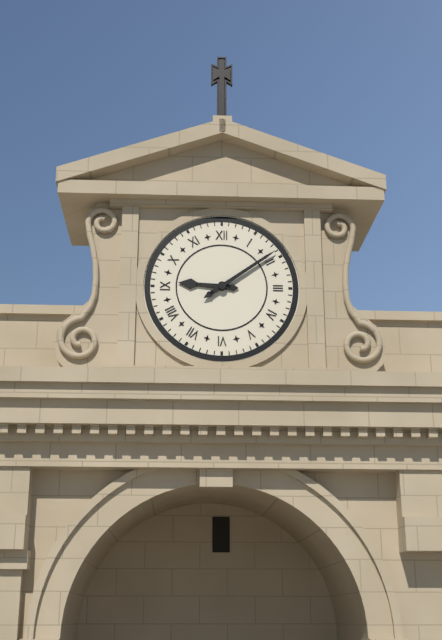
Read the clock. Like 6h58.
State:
9h09
